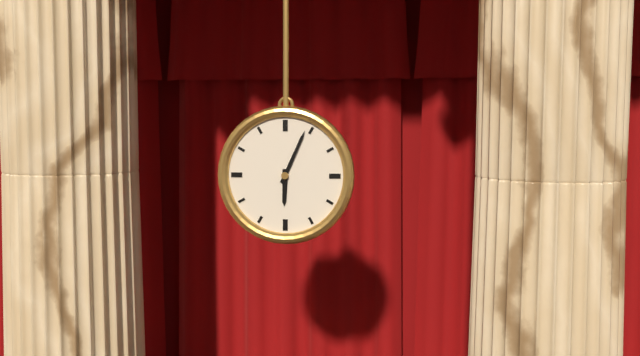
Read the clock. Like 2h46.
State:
6h04
